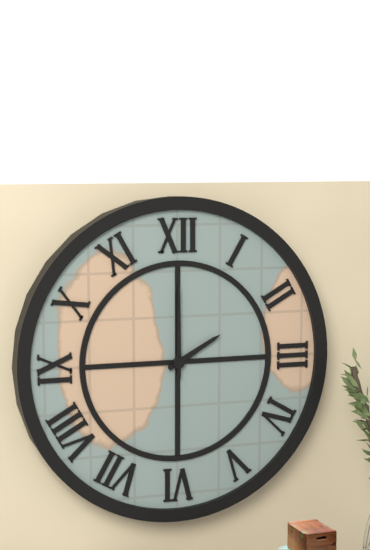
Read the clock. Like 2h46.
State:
2h00
